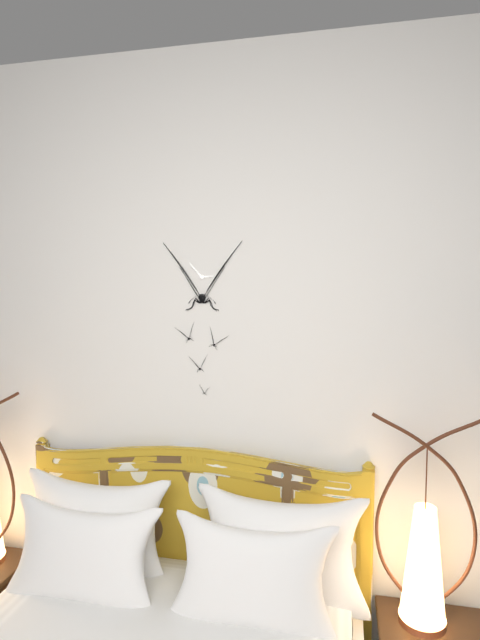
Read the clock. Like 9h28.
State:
2h53
